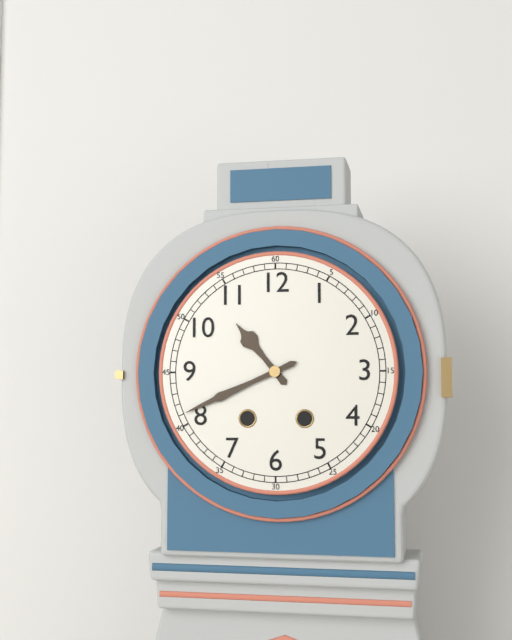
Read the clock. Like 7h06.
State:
10h41
